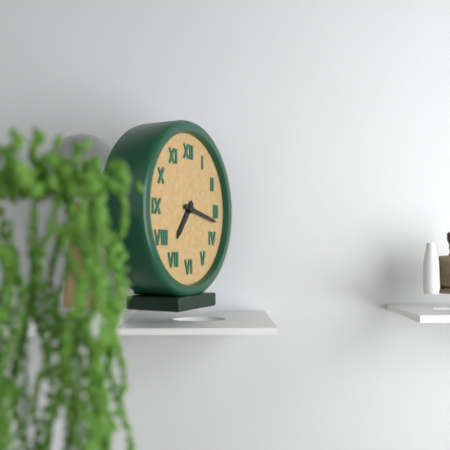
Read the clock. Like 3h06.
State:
7h17
